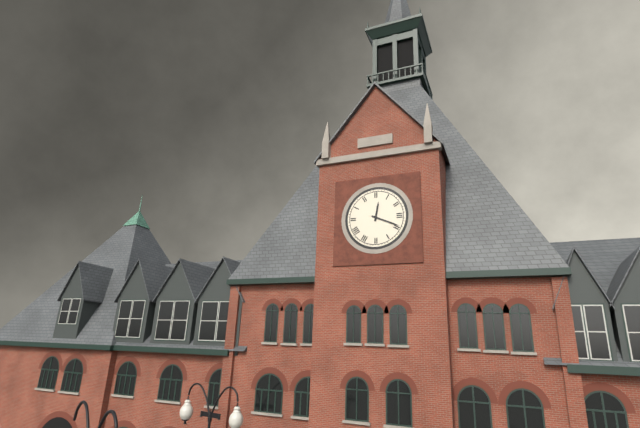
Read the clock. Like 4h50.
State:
12h19
